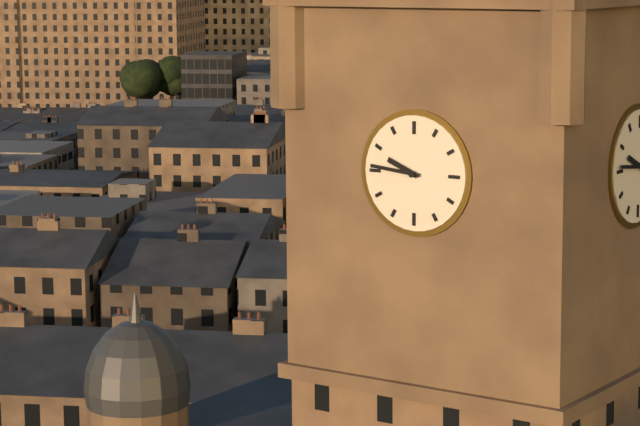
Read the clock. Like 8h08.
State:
9h46
